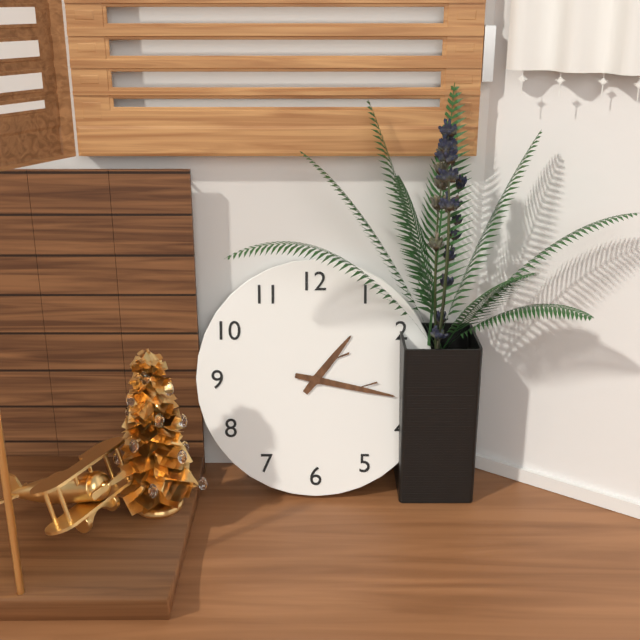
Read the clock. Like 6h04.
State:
1h17
